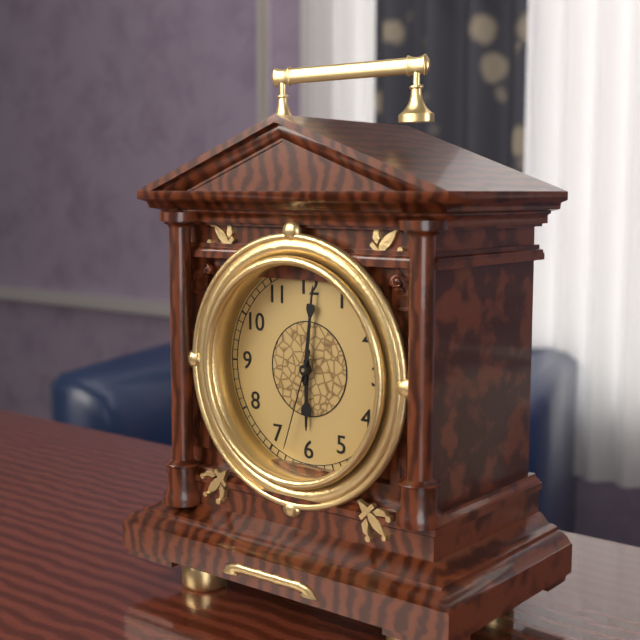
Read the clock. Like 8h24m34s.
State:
6h01m33s
